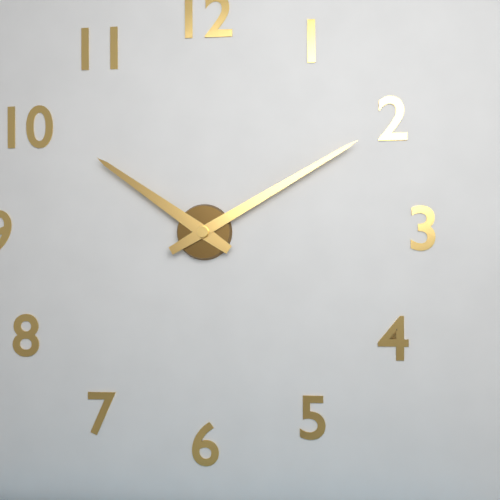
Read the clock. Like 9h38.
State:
10h10
